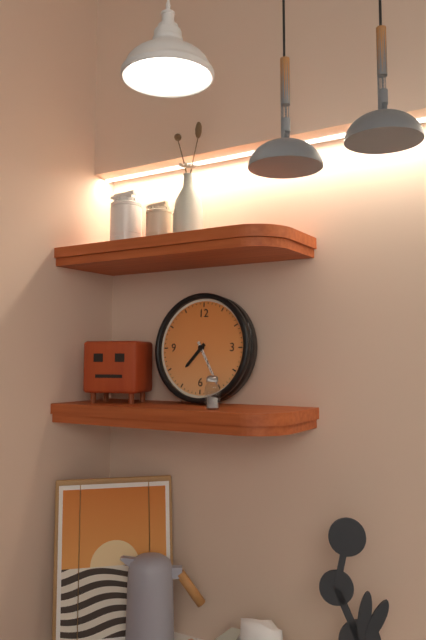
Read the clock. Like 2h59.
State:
7h25
